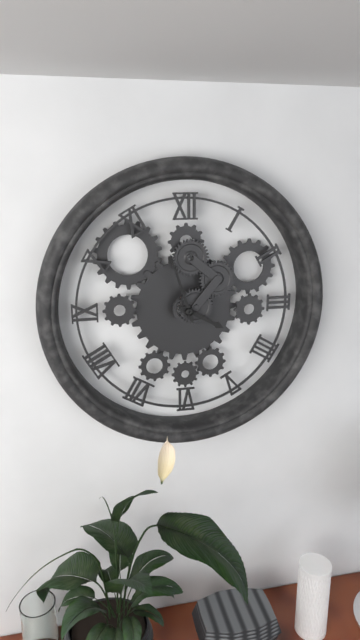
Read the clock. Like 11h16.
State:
3h57
